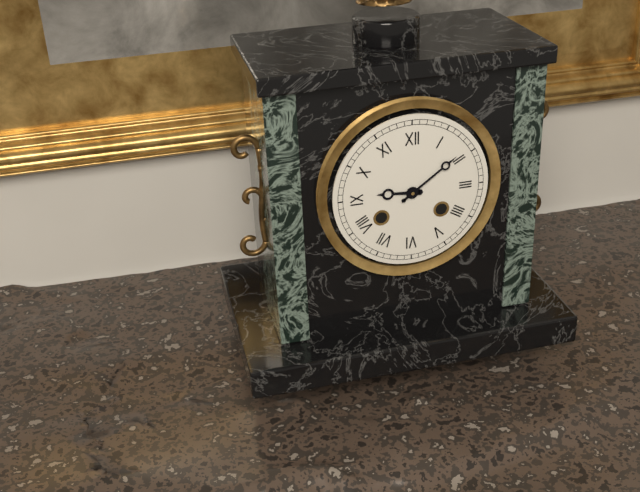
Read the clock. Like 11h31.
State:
9h09
